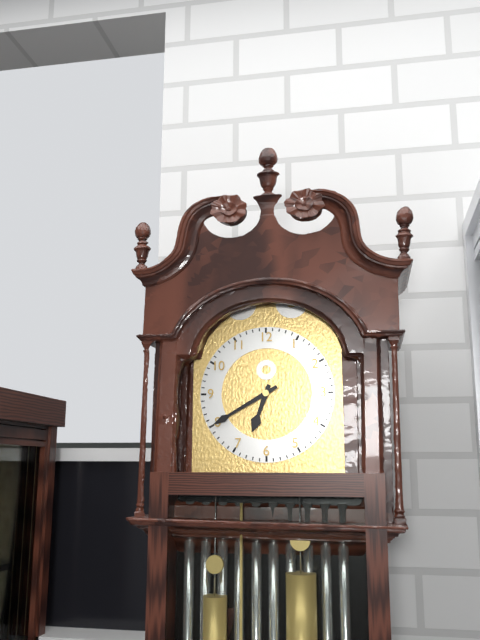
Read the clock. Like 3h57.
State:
6h40
